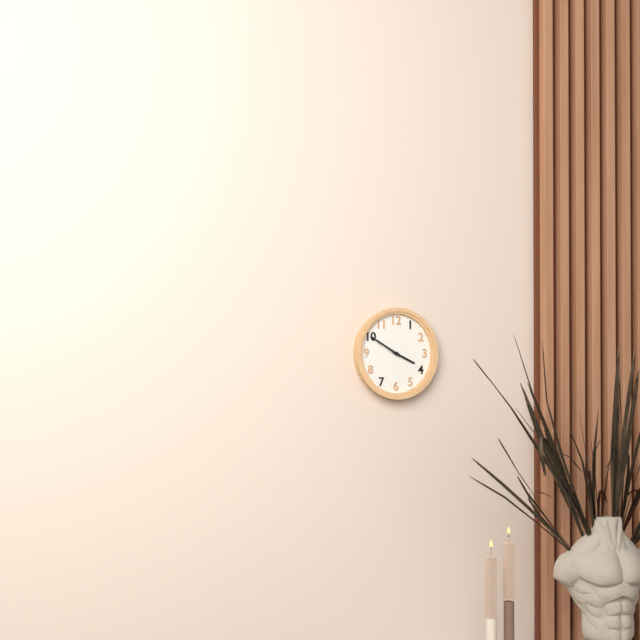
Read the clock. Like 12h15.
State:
3h50
